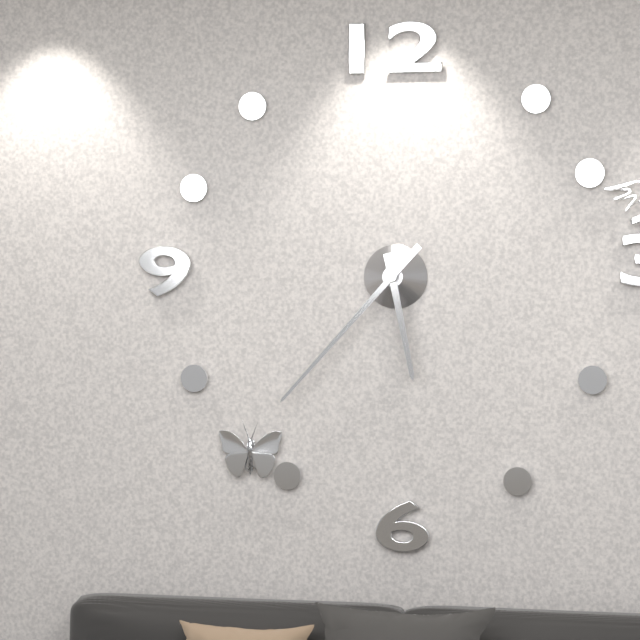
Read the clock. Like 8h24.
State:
5h37
